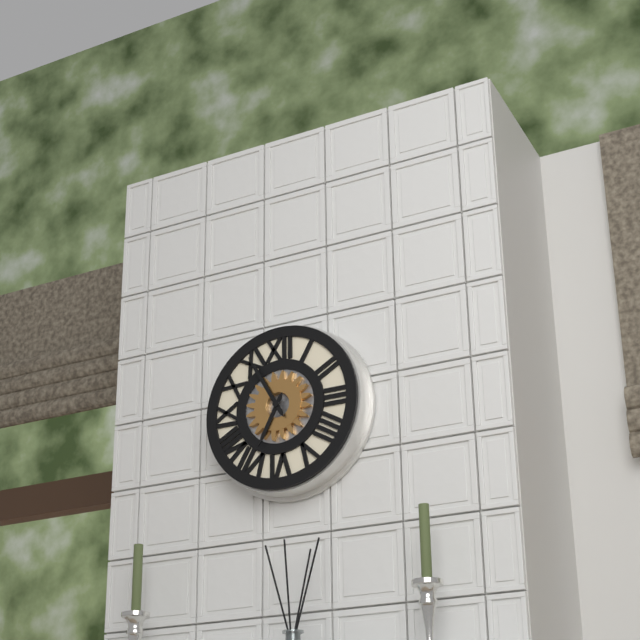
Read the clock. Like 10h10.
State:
6h55
